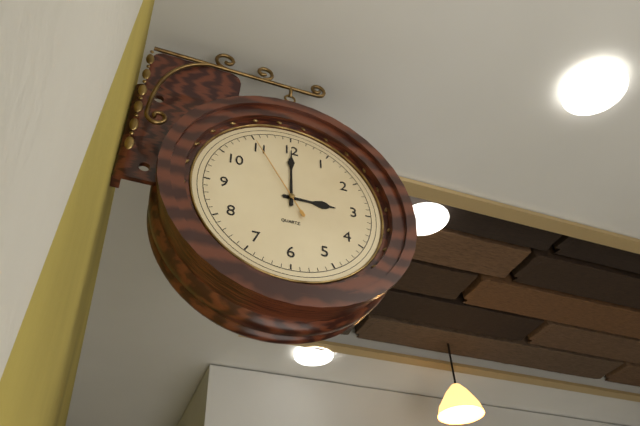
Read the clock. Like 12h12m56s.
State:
3h00m55s
